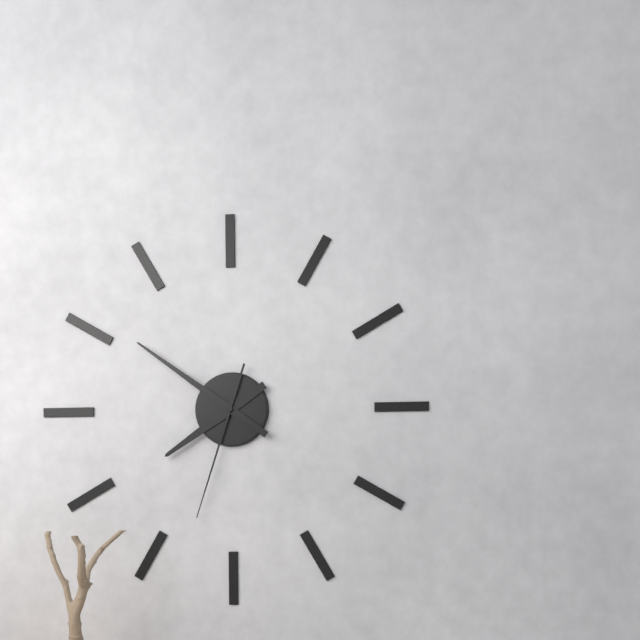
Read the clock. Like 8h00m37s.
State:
7h51m33s
